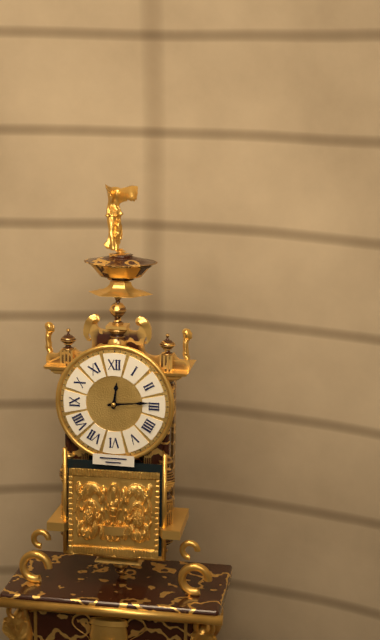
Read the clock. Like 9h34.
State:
12h14
